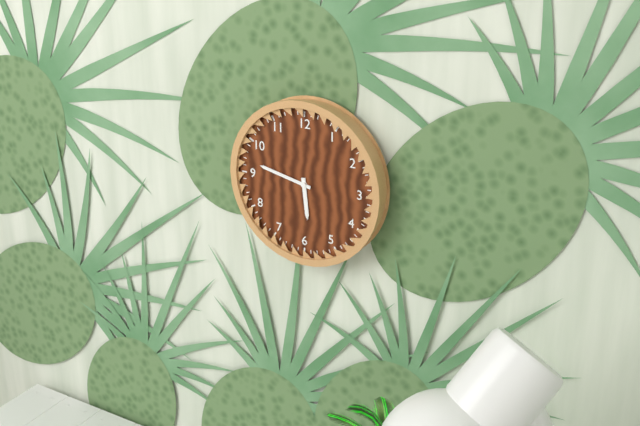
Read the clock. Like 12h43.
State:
5h47
